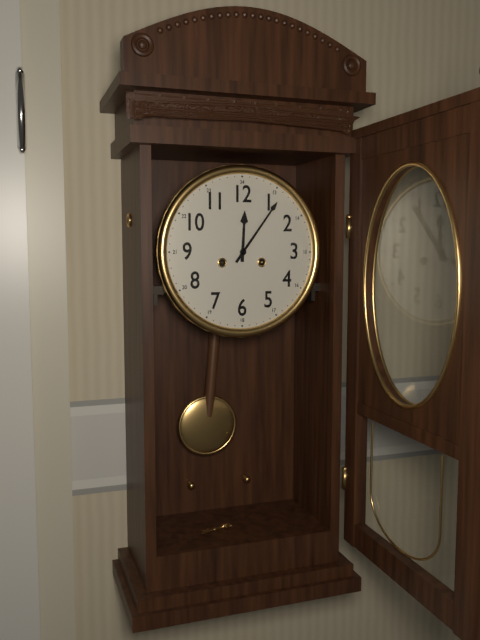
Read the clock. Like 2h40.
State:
12h06
